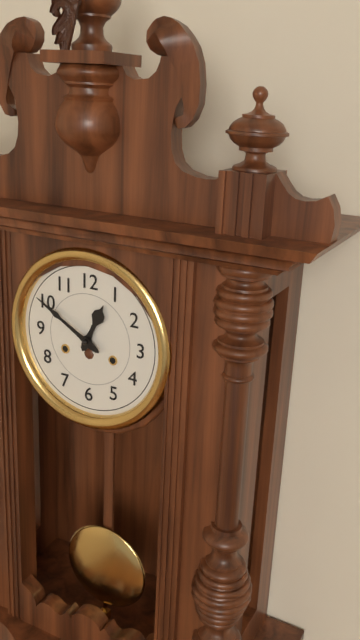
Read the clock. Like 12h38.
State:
12h50
